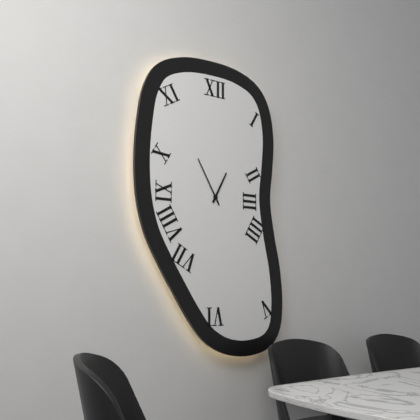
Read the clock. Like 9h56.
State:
12h55
